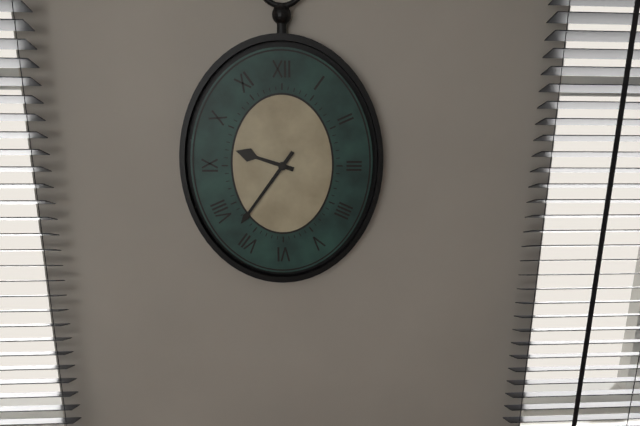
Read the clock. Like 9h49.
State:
9h36
